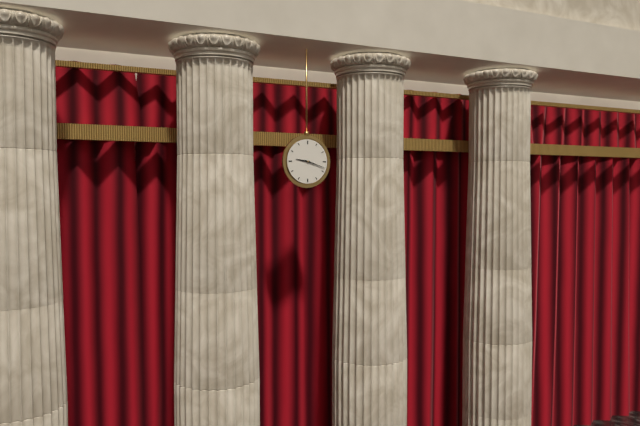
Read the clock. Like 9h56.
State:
9h18
